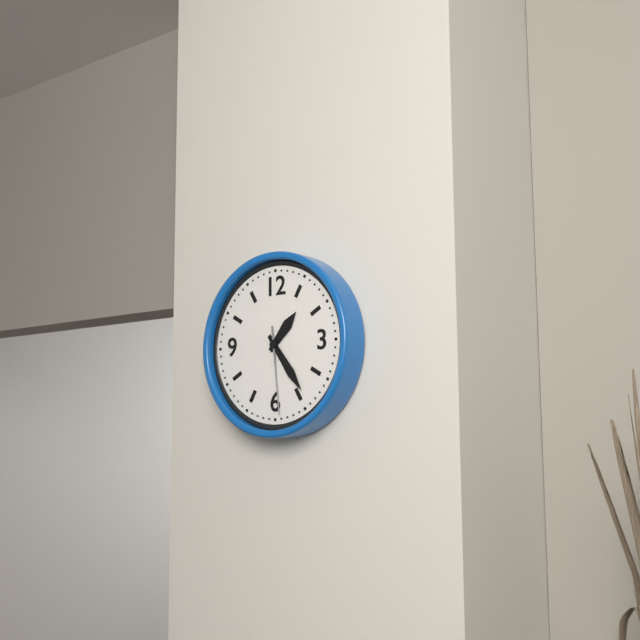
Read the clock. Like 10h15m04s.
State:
1h24m29s
